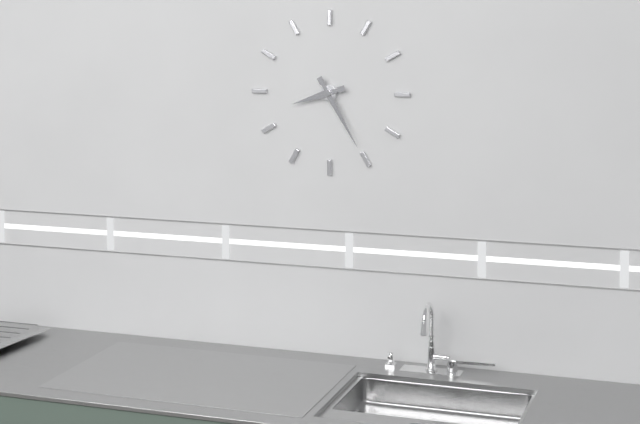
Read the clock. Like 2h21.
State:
8h25
